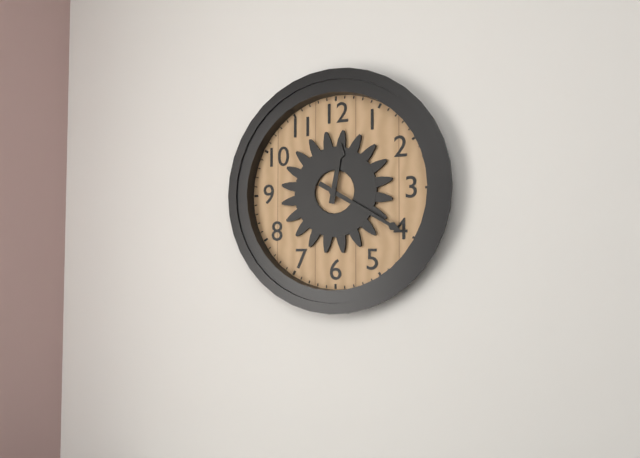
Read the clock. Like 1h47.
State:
12h20
